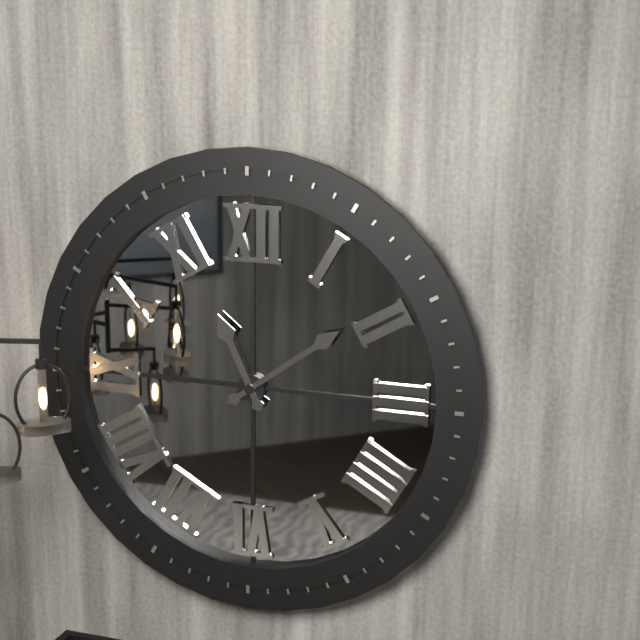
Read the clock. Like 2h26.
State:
11h09
